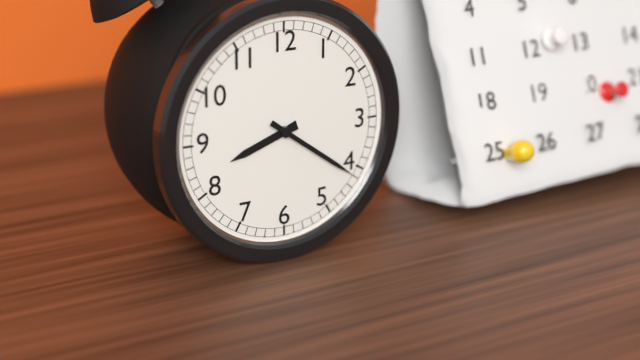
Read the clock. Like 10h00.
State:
8h21
